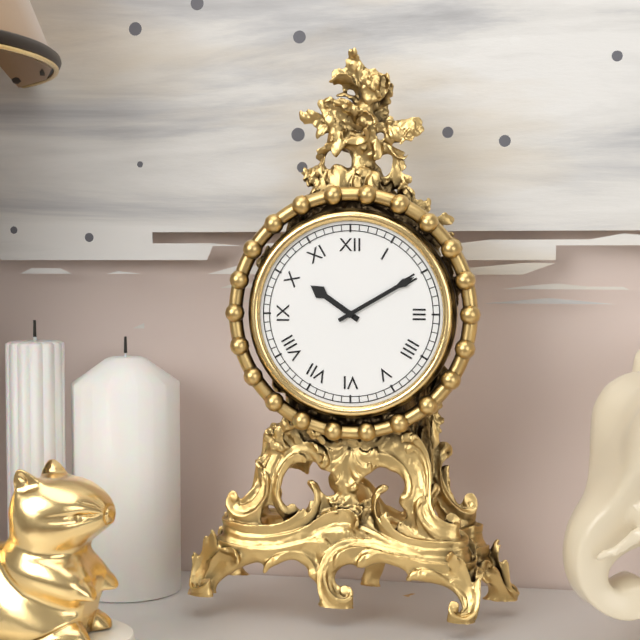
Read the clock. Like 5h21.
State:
10h10
